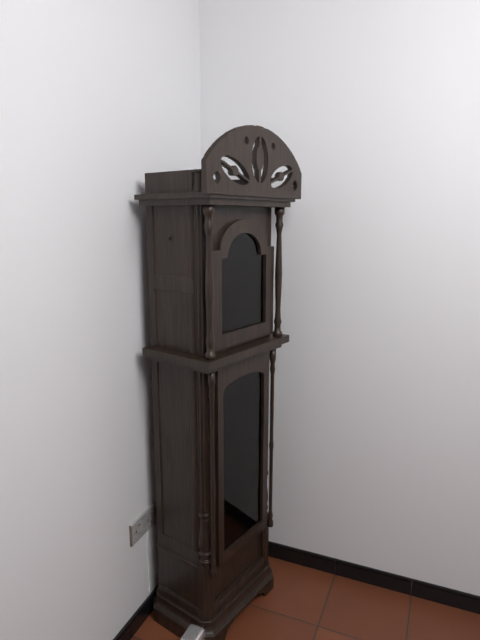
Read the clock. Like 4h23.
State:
2h20
